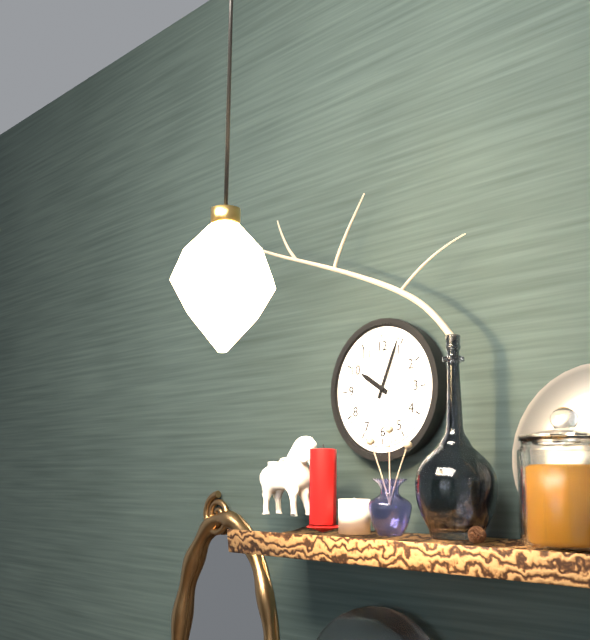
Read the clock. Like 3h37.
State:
10h04
